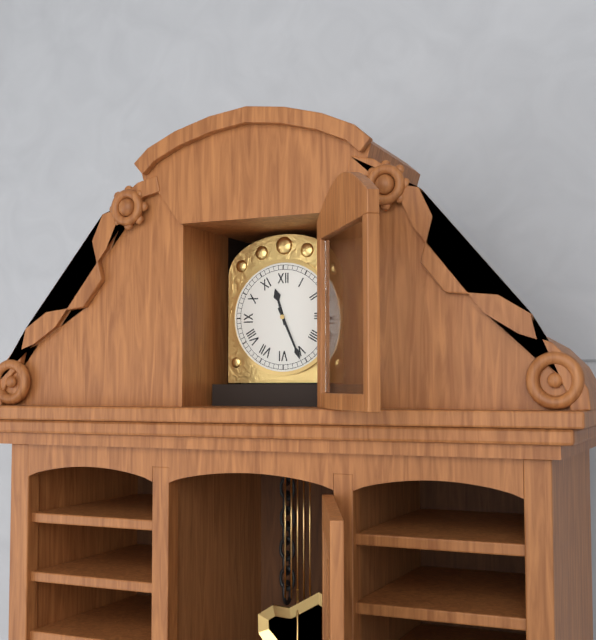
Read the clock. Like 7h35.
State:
11h26
